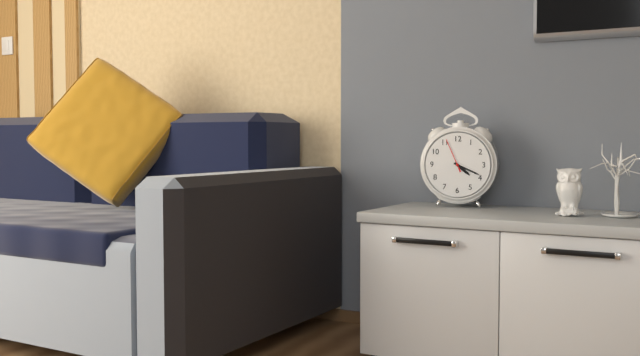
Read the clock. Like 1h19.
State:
4h19
